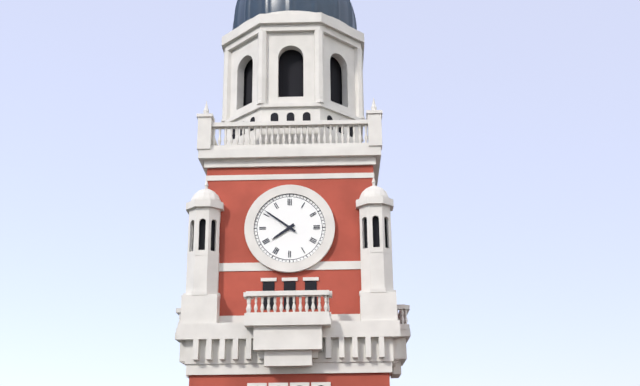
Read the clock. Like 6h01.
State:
7h51
